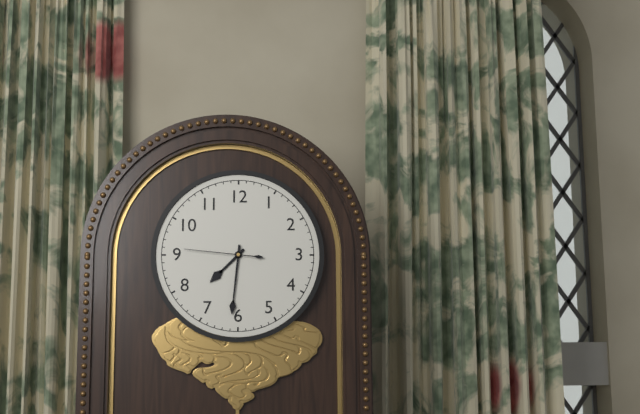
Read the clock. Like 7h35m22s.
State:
7h31m46s
